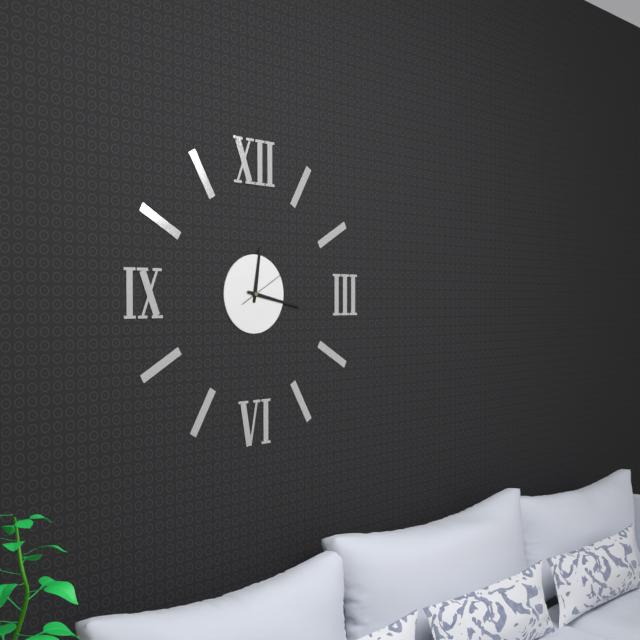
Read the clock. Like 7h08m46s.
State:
12h17m10s
